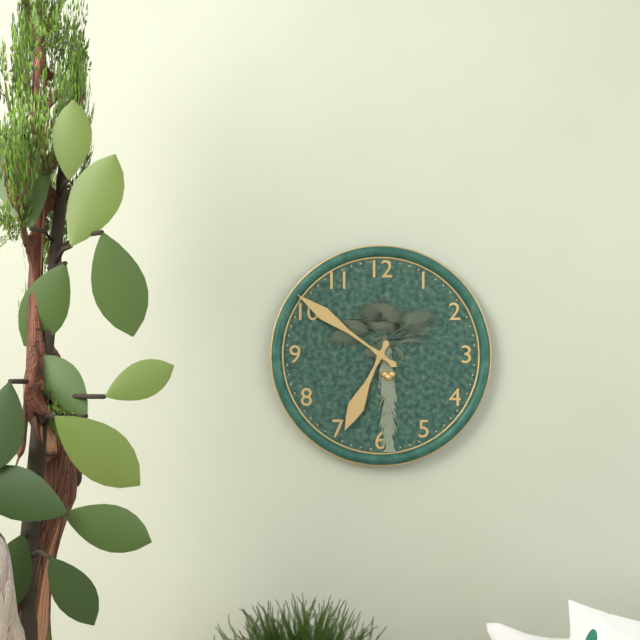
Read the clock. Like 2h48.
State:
6h51
